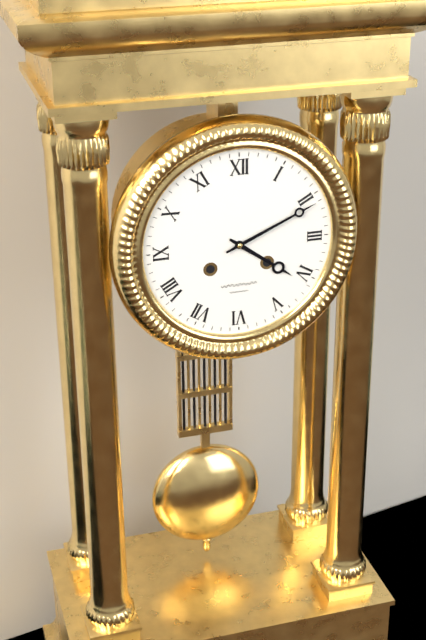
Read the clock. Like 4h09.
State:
4h11
